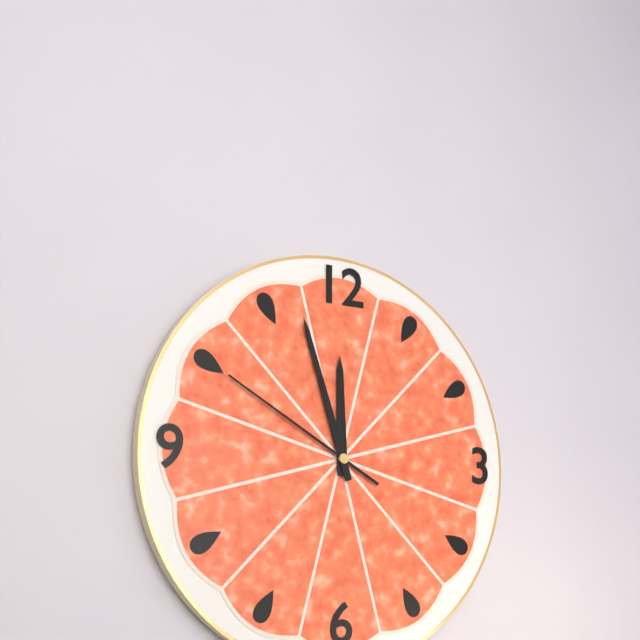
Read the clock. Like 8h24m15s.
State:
11h57m50s
